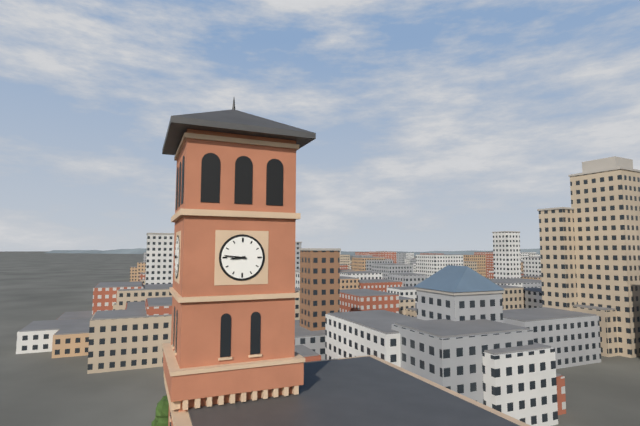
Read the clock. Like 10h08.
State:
8h46
